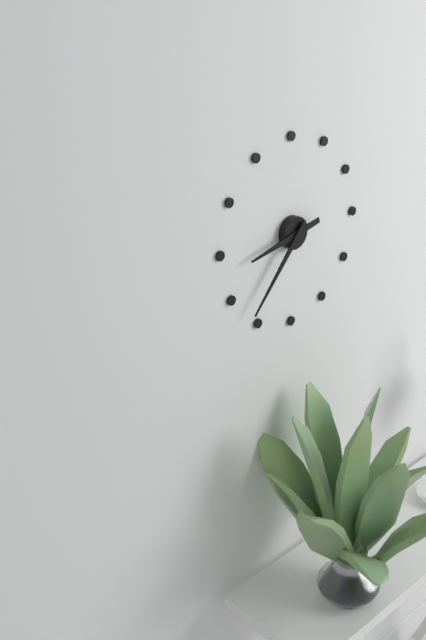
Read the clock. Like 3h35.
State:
8h37
